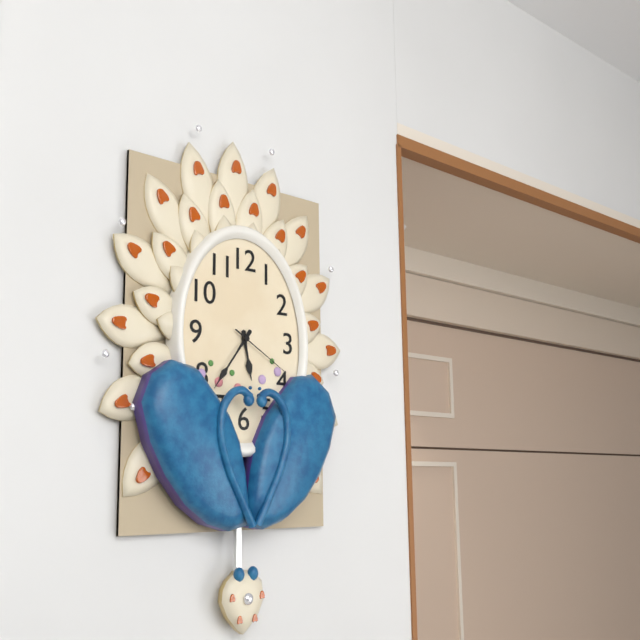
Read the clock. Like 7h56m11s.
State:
5h36m20s
